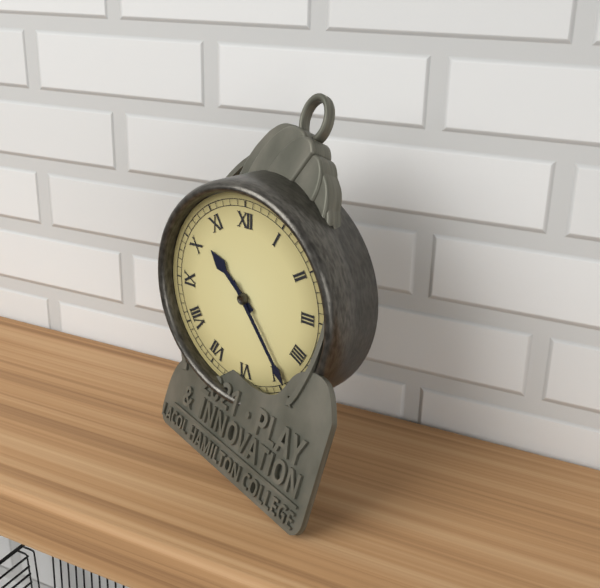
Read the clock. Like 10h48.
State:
10h24
